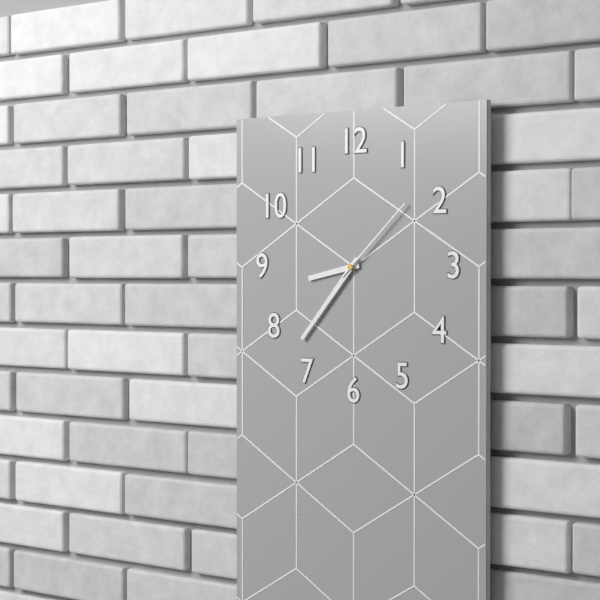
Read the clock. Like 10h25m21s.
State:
8h37m08s
